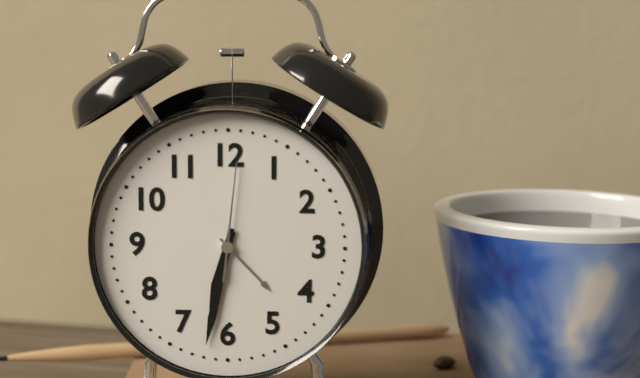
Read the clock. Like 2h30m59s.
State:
6h32m01s
